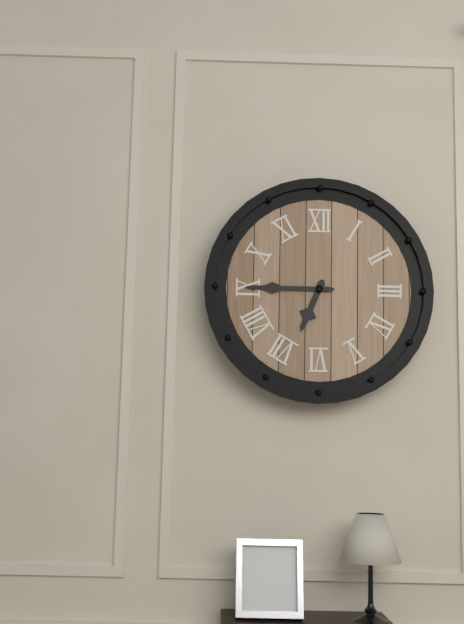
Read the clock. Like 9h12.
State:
6h45
